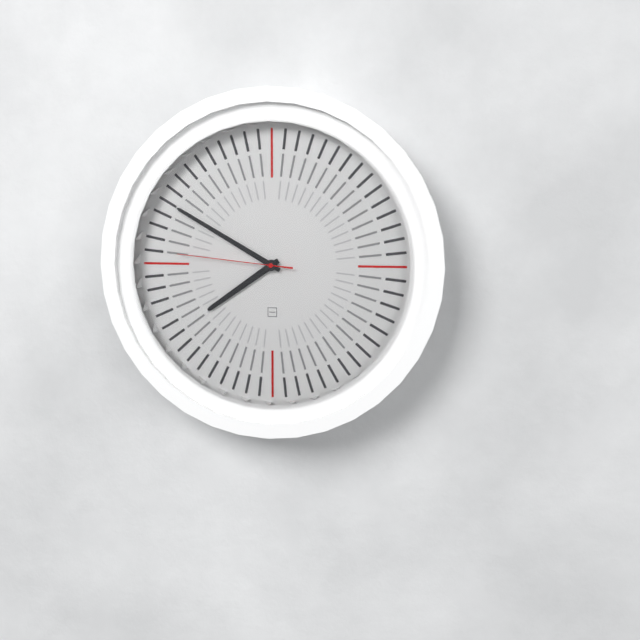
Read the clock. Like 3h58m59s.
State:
7h50m46s
